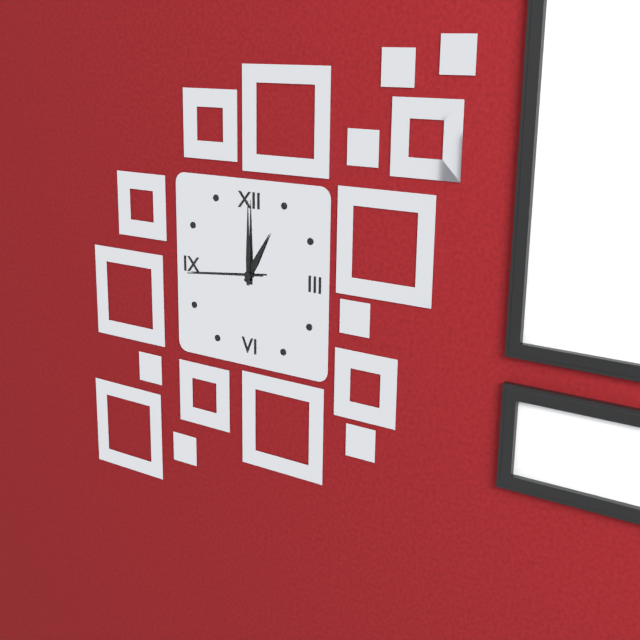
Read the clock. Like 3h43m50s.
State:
1h00m44s
